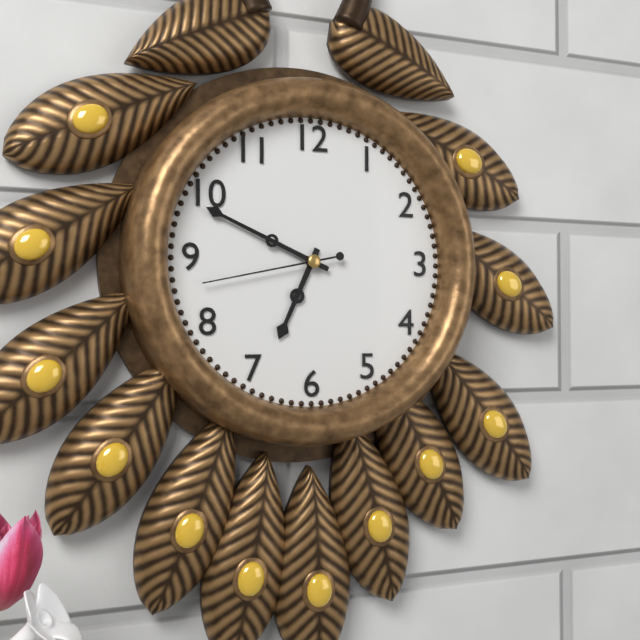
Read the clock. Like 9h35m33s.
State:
6h49m43s
